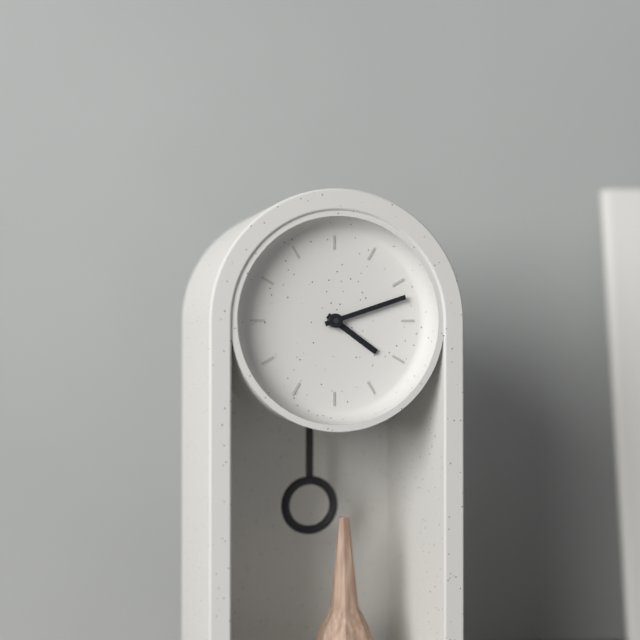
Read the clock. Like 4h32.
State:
4h12
